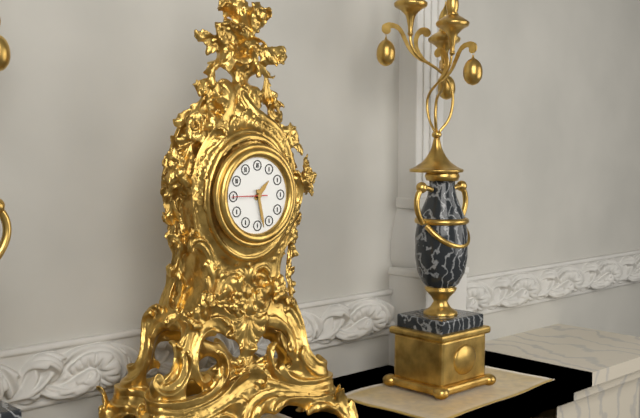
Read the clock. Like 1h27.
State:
1h28
